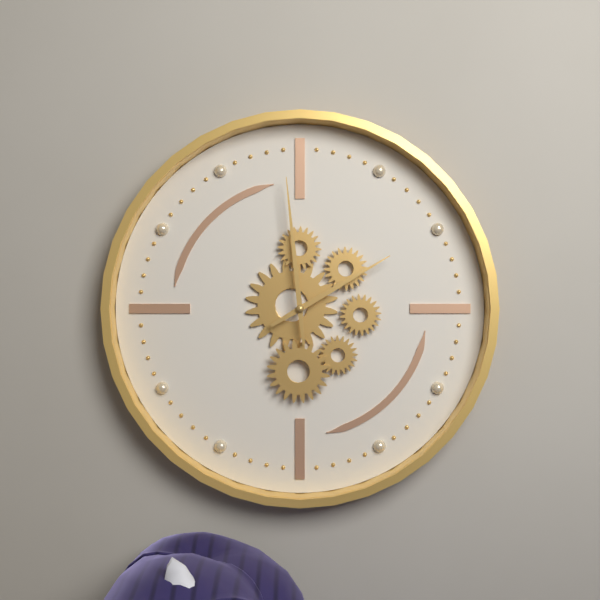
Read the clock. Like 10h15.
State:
1h59
